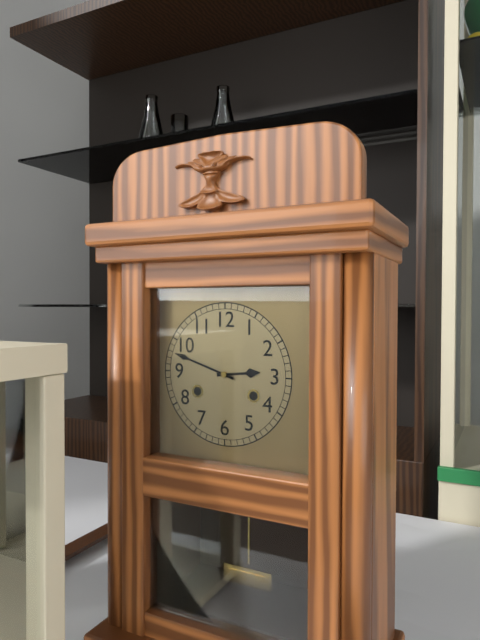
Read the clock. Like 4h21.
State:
2h48
